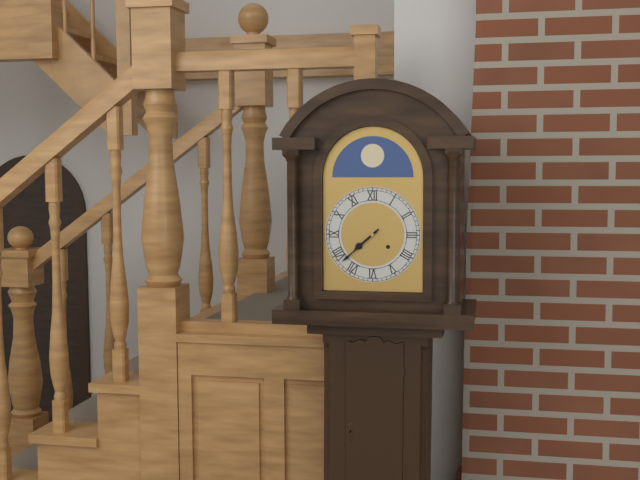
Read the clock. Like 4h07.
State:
7h38
